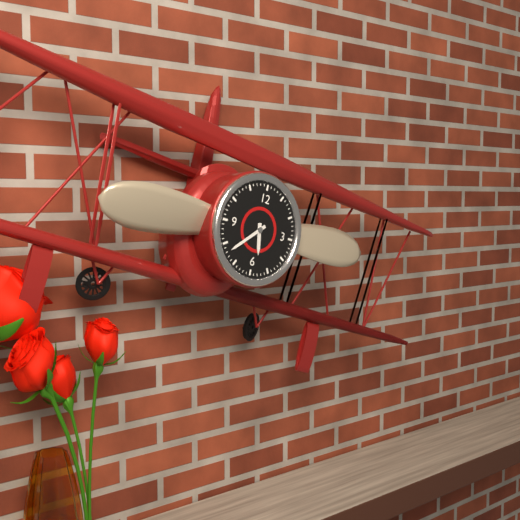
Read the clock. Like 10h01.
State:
5h38
